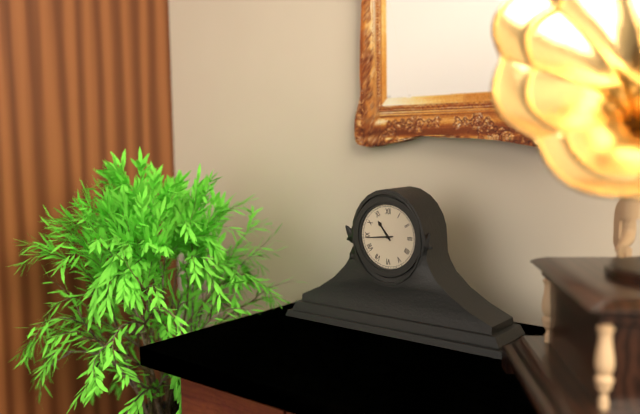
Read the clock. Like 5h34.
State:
10h44
